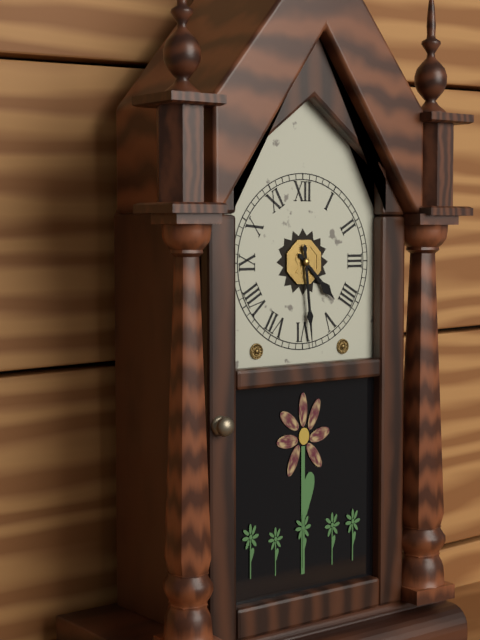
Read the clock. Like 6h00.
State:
4h29
